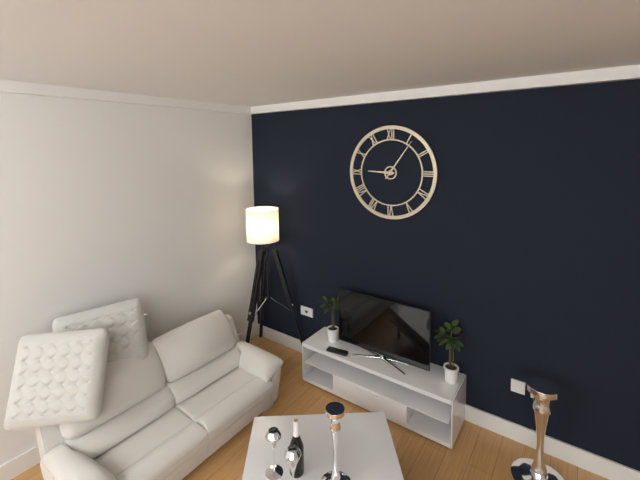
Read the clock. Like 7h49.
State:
9h06
